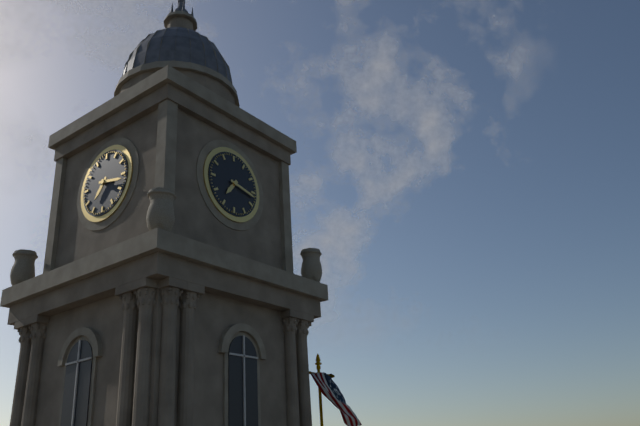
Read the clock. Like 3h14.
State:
7h17
